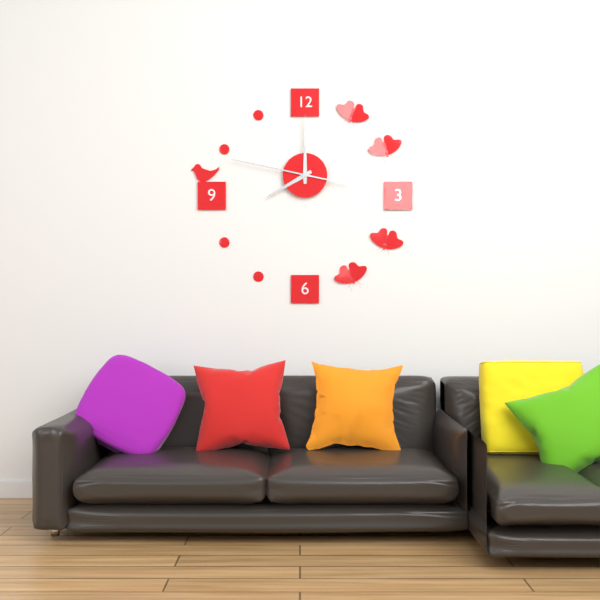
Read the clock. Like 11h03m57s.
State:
8h00m47s
